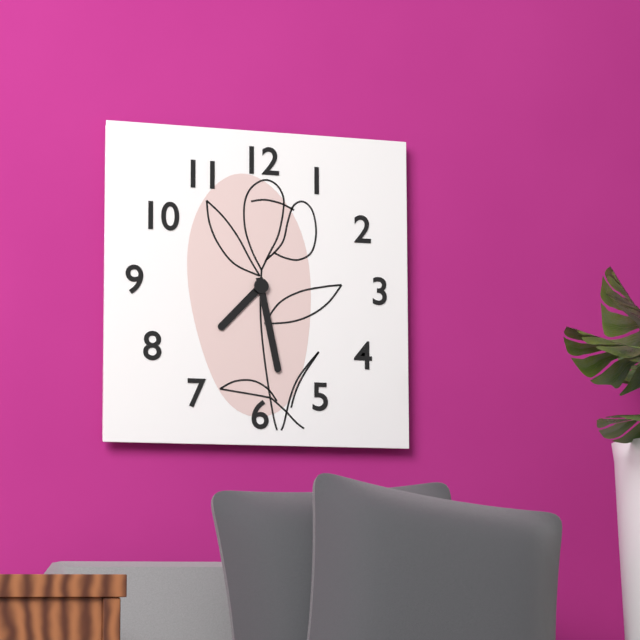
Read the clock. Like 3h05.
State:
7h28
